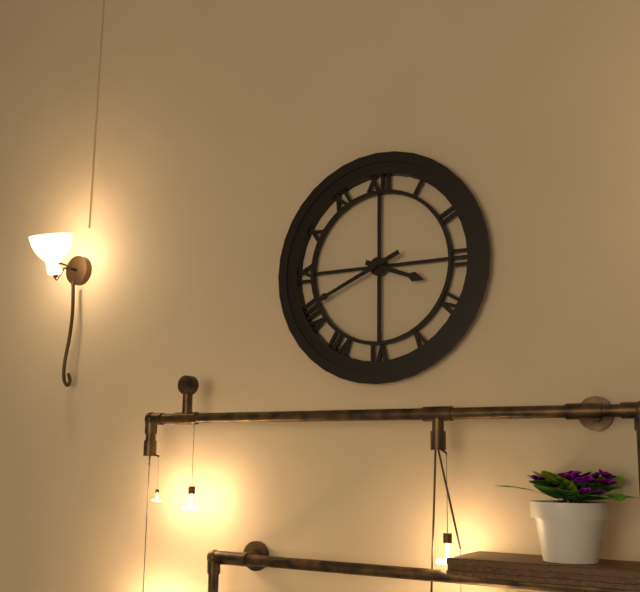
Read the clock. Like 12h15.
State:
3h41
